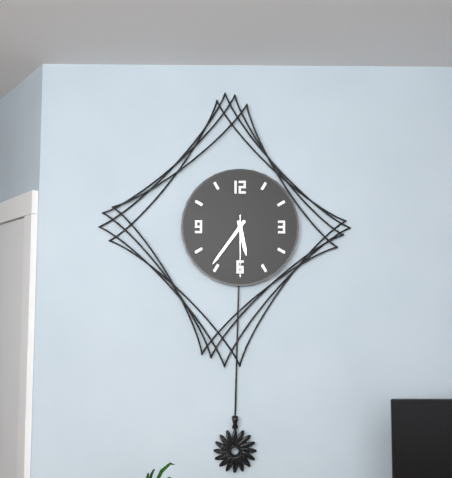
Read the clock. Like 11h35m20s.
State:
5h36m30s
